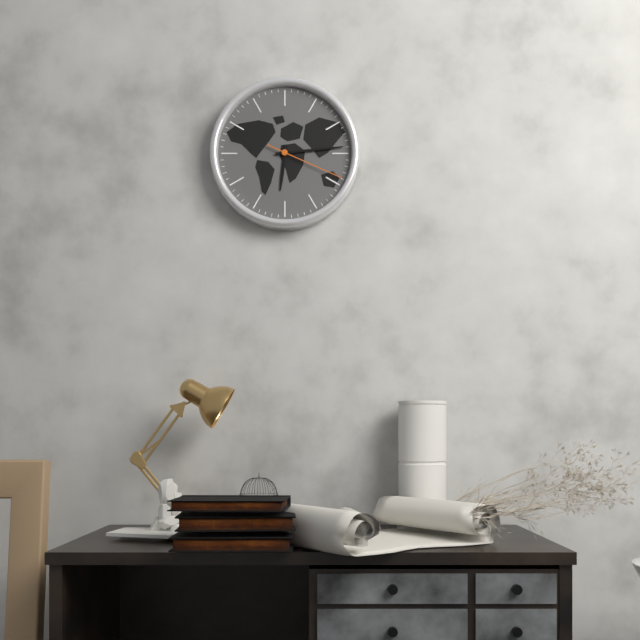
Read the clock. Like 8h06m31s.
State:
6h14m19s
